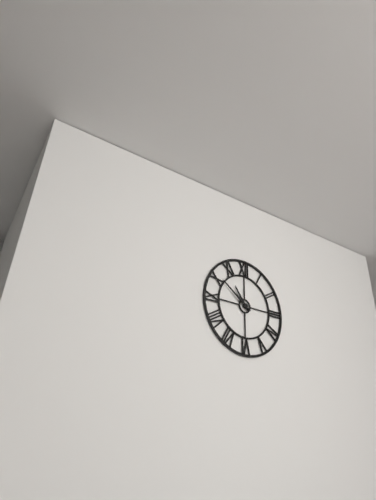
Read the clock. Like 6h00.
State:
10h51
